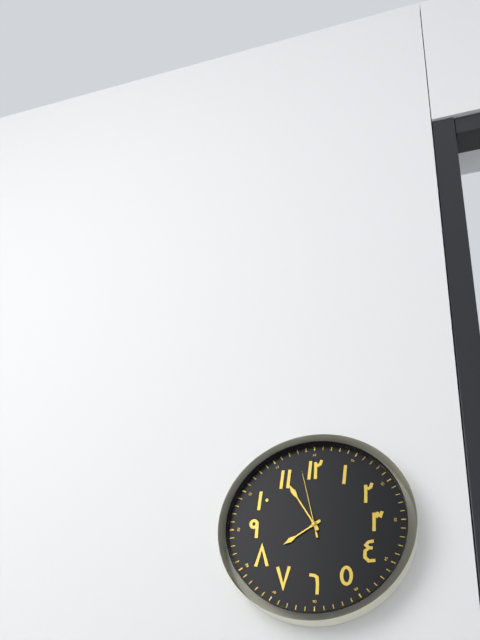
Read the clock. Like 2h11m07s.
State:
7h55m58s
